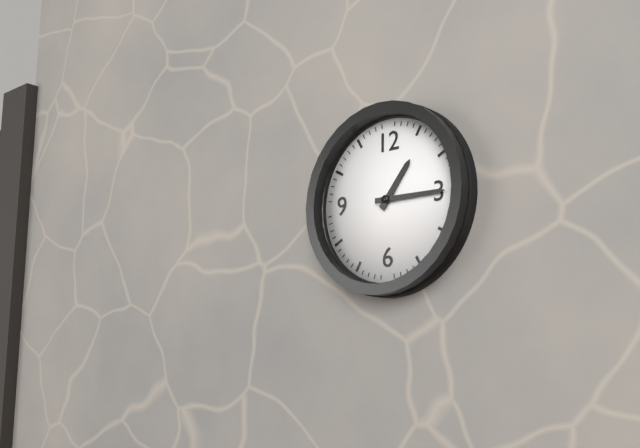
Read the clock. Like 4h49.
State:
1h15
